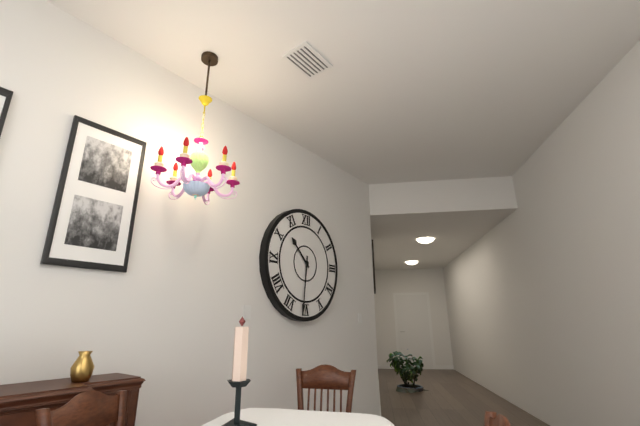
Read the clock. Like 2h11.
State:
10h31
